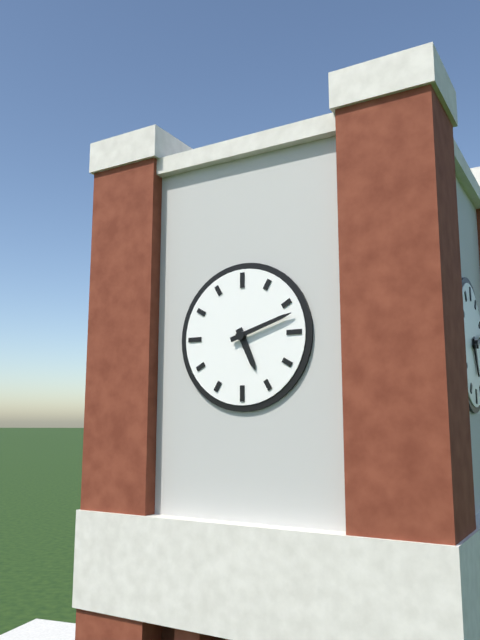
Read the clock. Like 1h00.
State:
5h12
